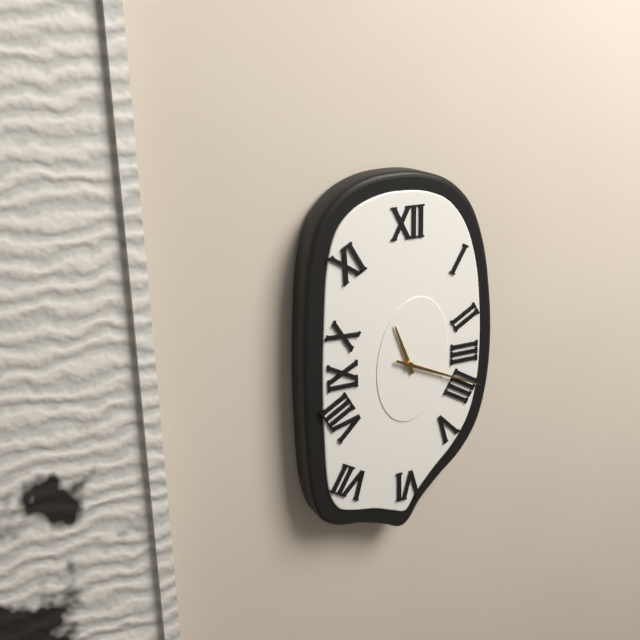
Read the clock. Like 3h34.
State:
11h19
